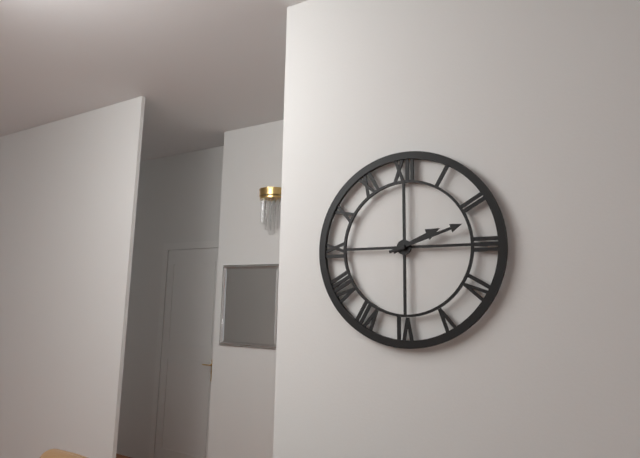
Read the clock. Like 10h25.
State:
2h12
